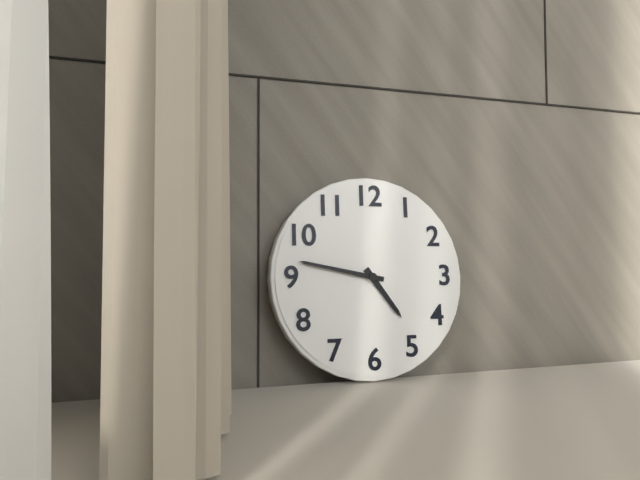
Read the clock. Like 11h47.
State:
4h47
